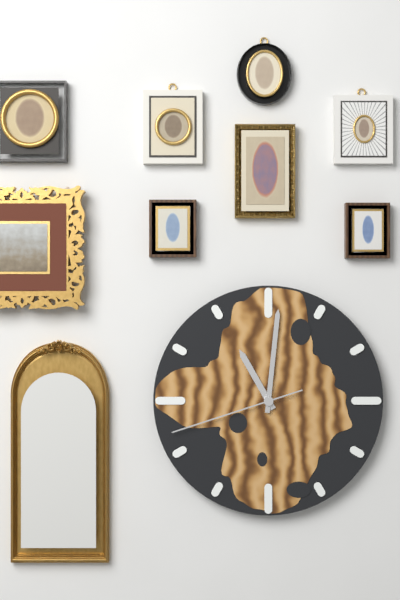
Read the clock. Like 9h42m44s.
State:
11h01m42s
